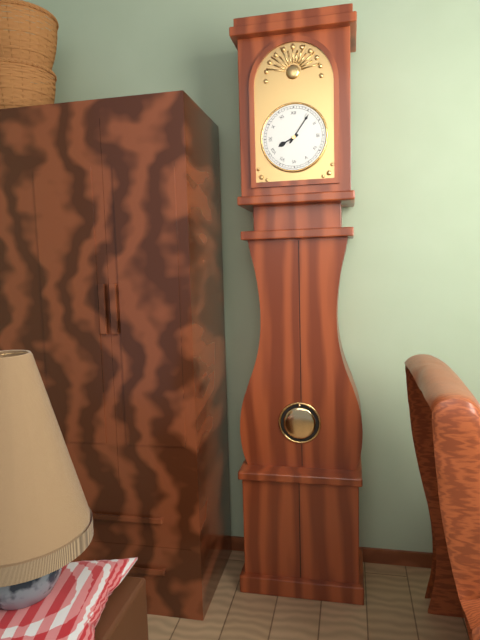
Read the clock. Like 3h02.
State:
8h06
